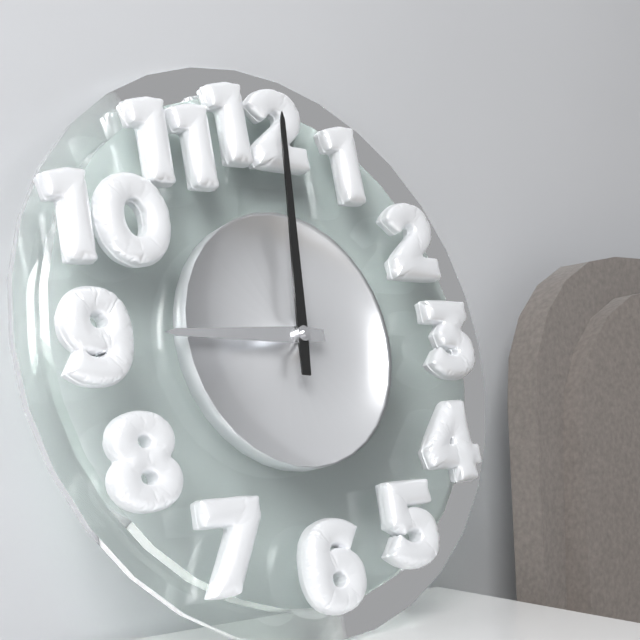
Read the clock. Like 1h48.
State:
9h01
